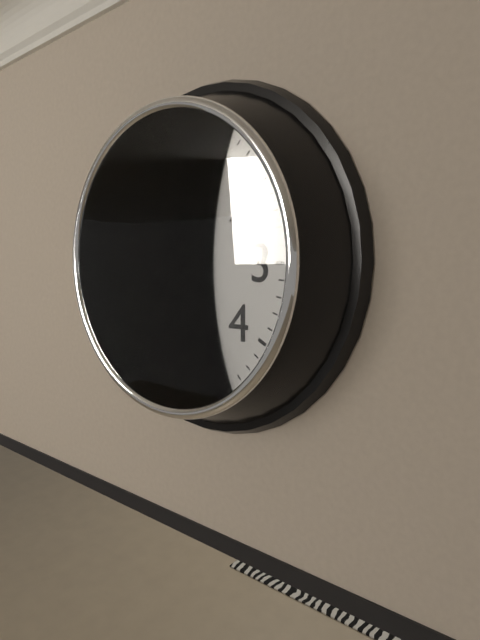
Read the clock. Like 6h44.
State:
11h55
